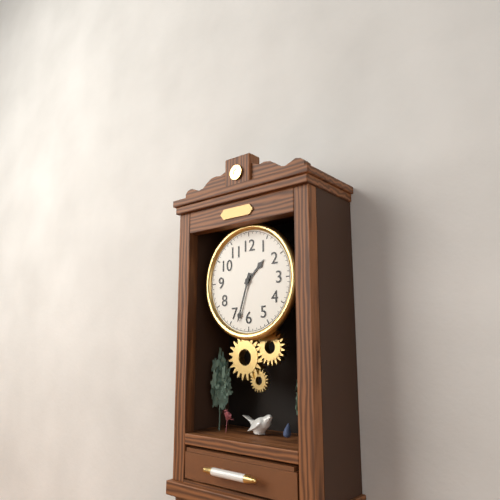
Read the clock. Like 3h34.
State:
1h33
